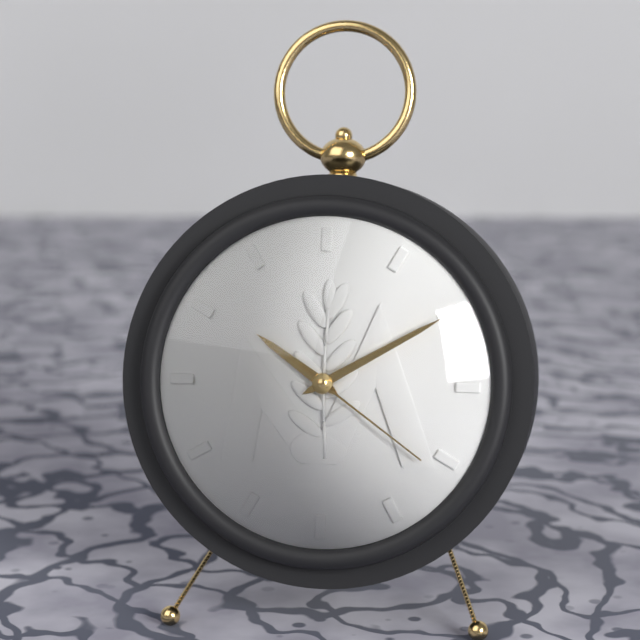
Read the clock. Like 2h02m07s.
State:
10h10m21s
